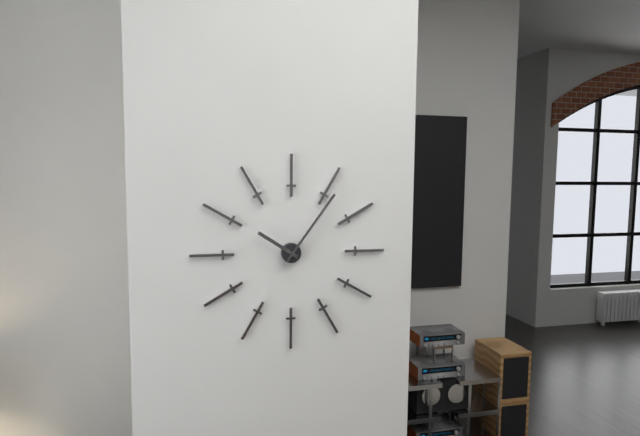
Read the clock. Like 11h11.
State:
10h06
